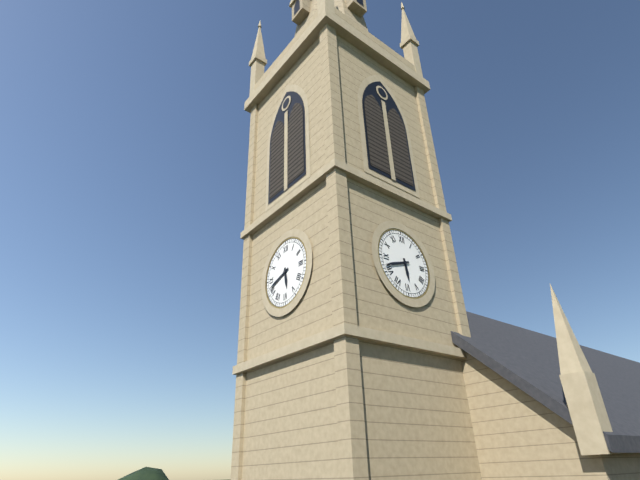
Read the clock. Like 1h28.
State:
5h42
